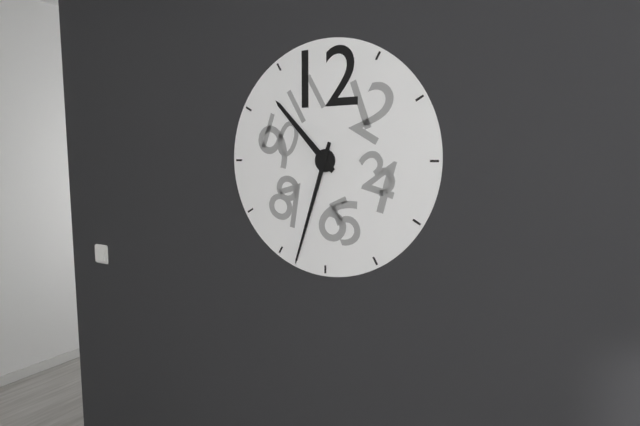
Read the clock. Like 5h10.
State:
10h33
